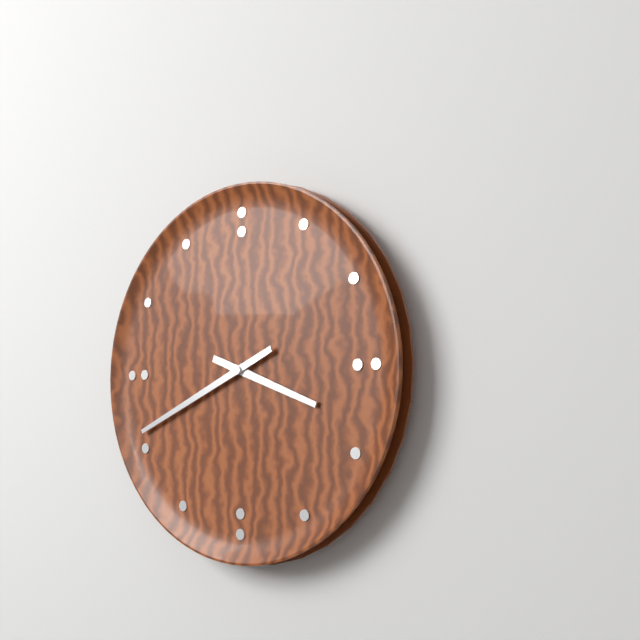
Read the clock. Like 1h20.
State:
3h41
